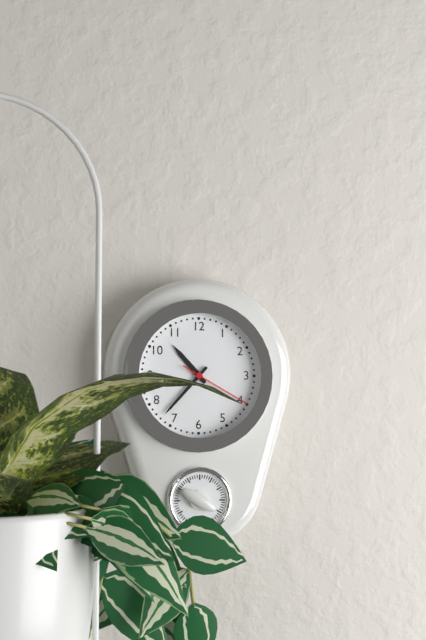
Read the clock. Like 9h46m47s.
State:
10h37m20s
